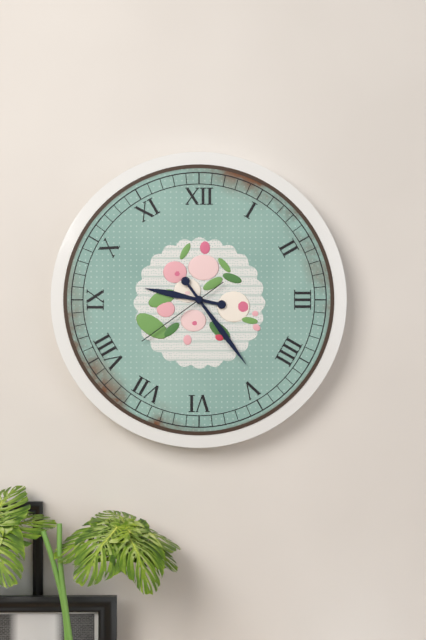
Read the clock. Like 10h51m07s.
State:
9h24m39s
